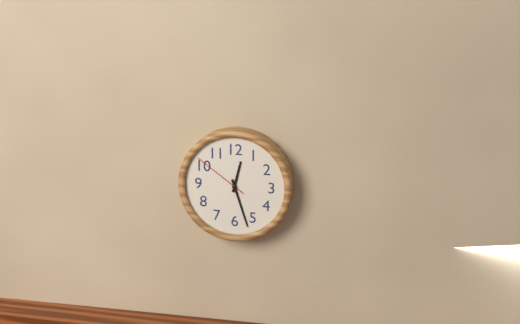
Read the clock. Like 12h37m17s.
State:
12h27m51s
